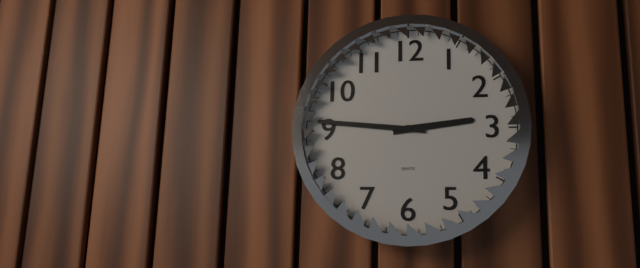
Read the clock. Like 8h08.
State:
2h46
